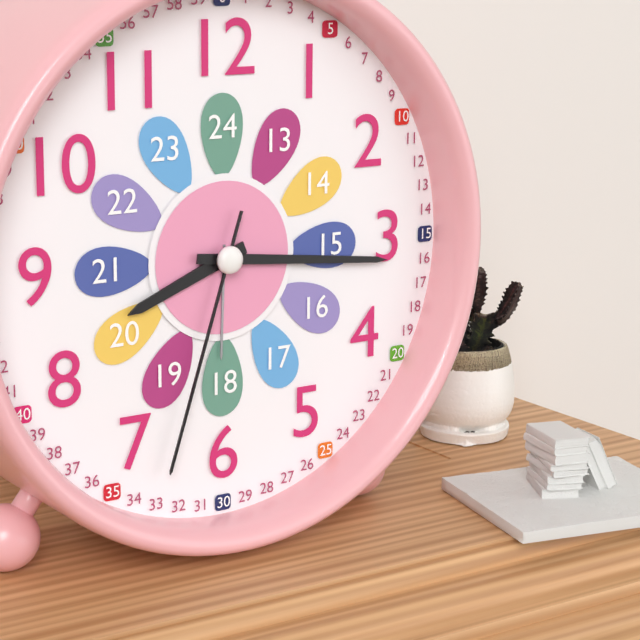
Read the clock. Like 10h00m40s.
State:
8h16m33s
